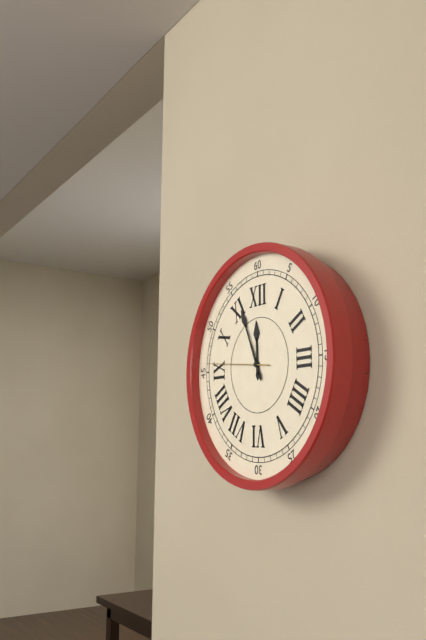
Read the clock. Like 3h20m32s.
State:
11h56m46s
